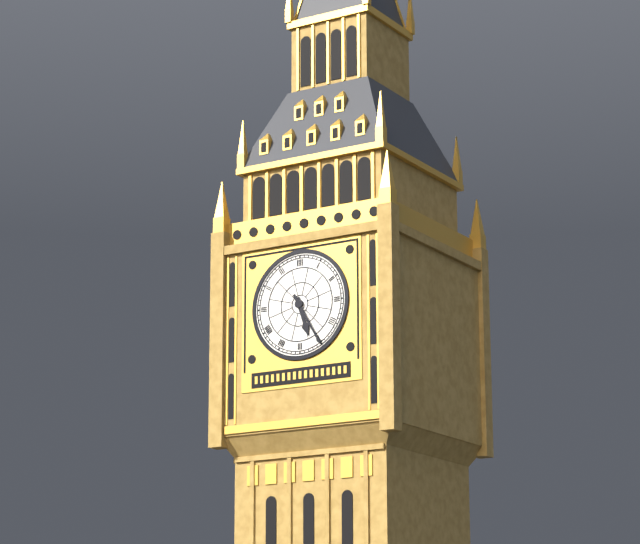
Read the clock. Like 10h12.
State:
5h25
